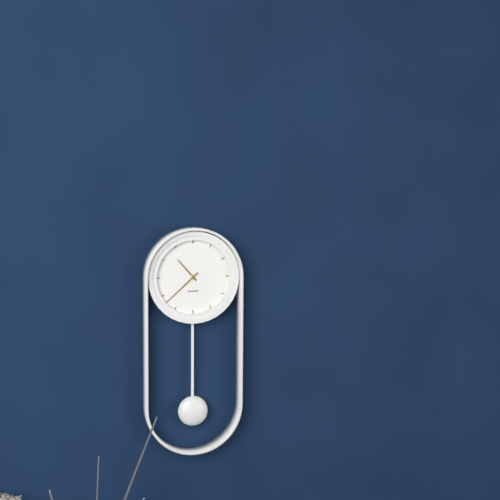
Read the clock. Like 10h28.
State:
10h38
